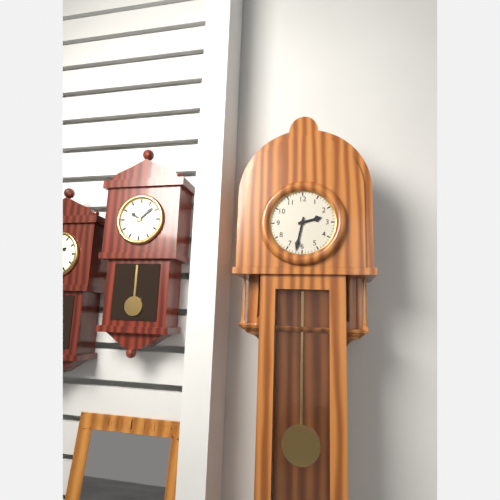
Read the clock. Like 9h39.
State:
2h32
